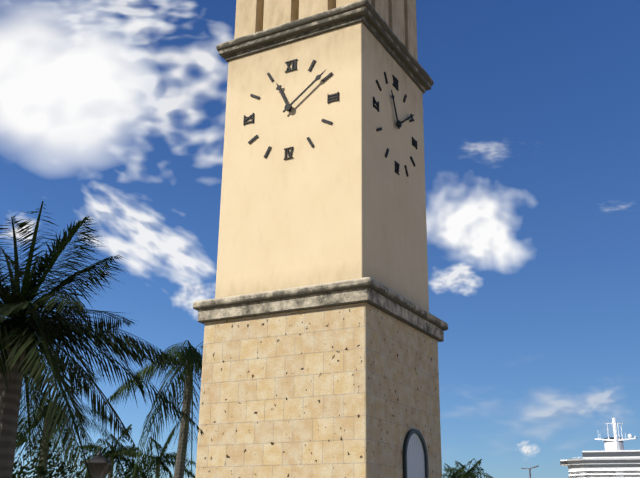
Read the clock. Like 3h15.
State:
11h09
